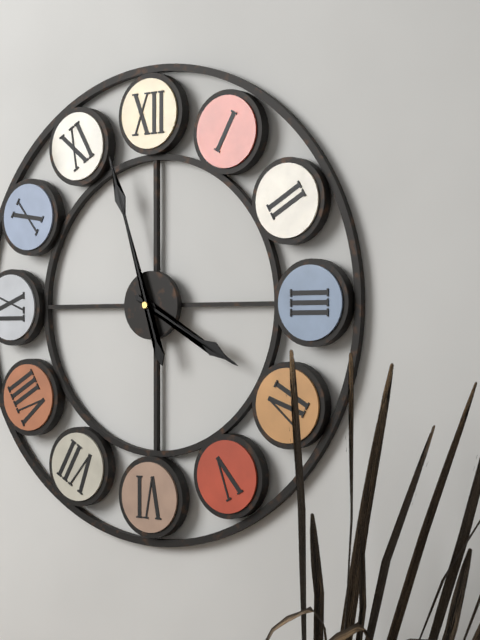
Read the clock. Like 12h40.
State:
3h57
